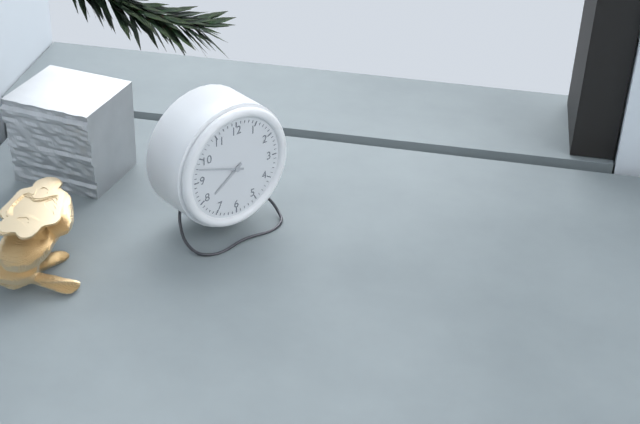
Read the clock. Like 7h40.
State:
7h48
